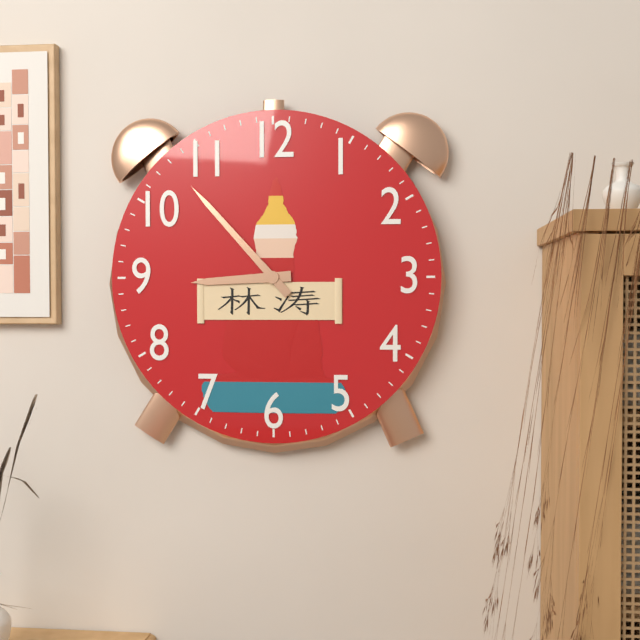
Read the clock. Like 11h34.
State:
8h53
